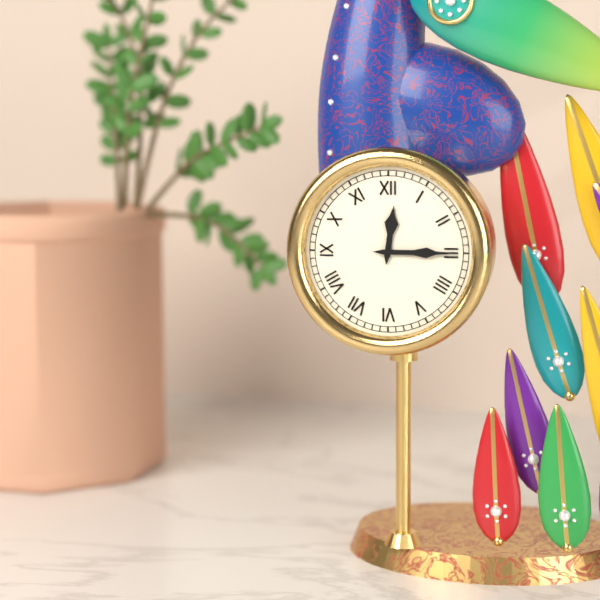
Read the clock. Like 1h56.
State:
12h15
